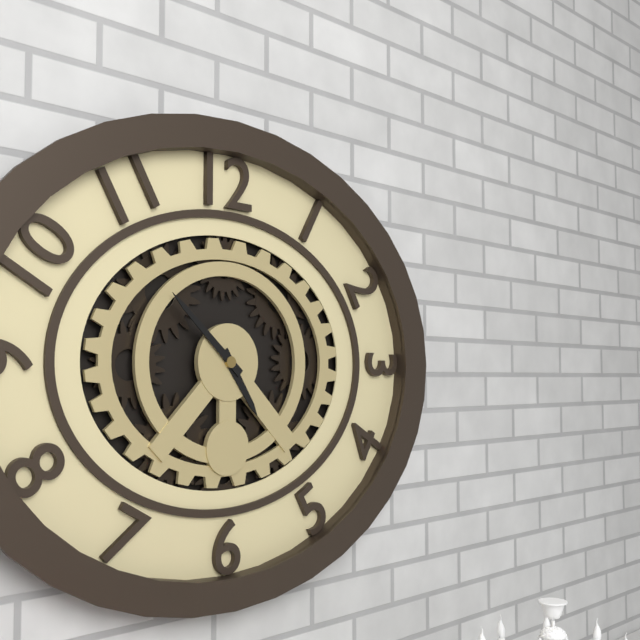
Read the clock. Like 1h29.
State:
4h52
